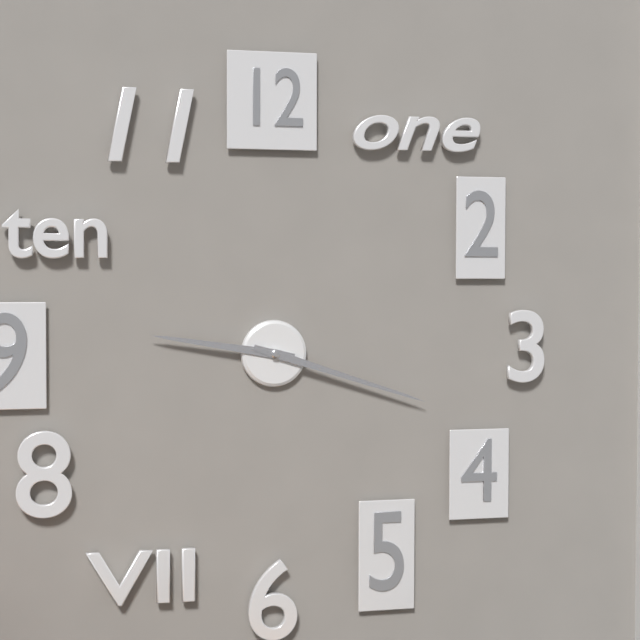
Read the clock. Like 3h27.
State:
9h18
